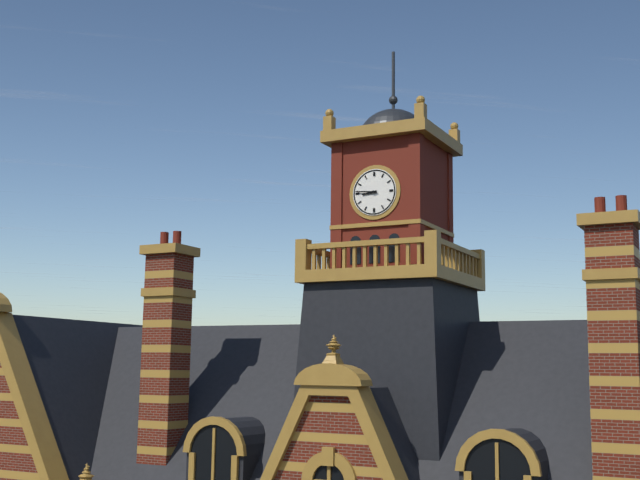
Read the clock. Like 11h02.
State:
8h46
